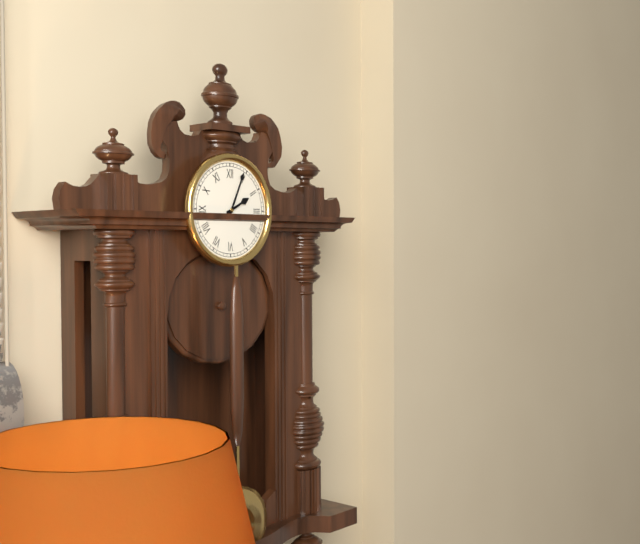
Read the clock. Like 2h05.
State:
2h04
